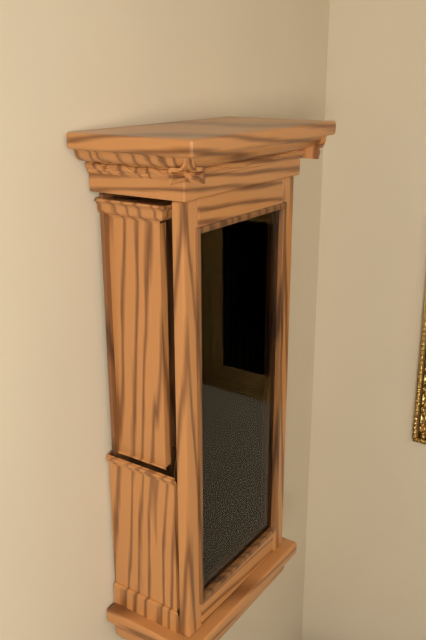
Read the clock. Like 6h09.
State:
9h59
